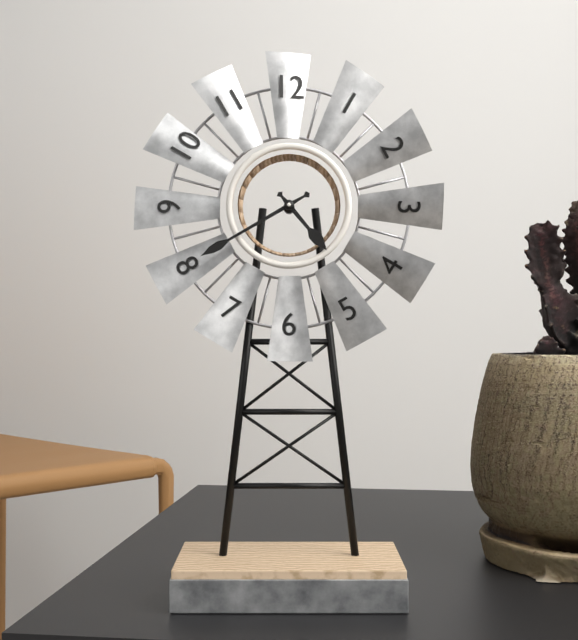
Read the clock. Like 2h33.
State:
4h40
